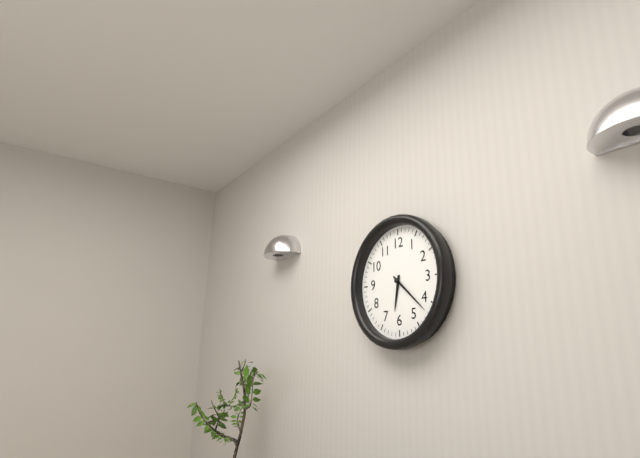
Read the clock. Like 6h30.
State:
6h22
